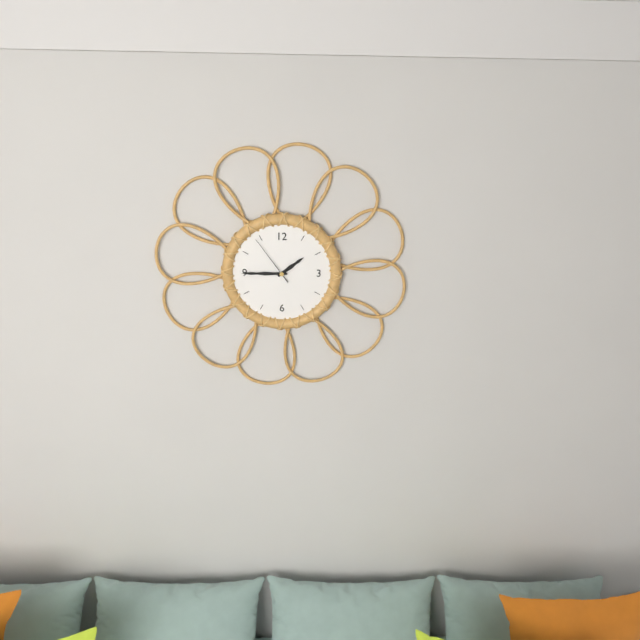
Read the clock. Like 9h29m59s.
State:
1h45m54s
